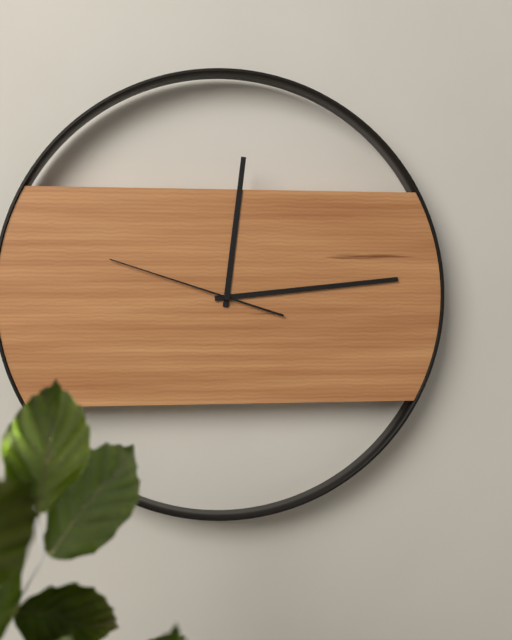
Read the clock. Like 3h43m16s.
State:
12h14m48s
